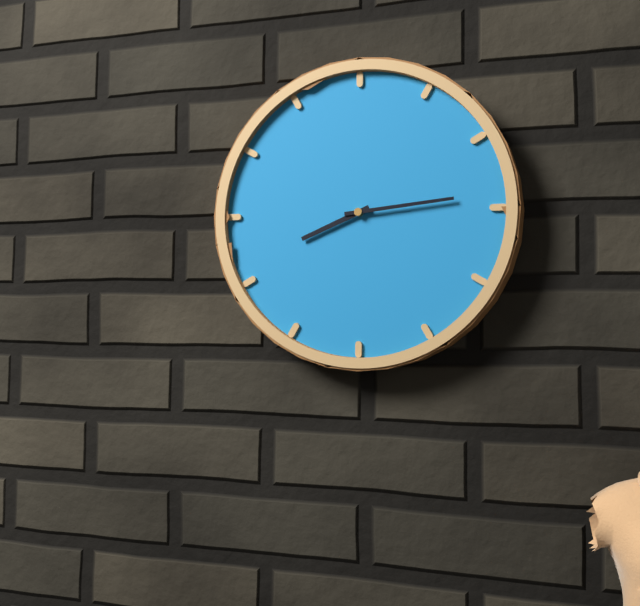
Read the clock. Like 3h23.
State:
8h14
